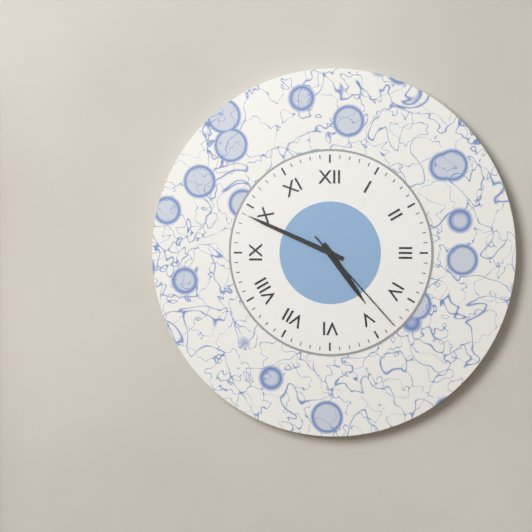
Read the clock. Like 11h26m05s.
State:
4h49m23s
